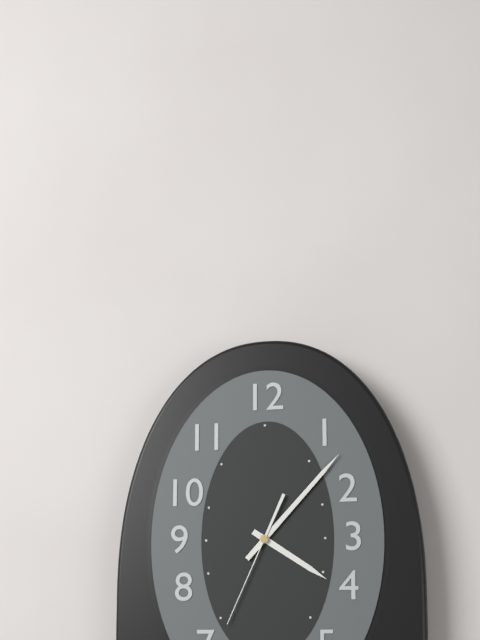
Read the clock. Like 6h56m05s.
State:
4h07m34s
